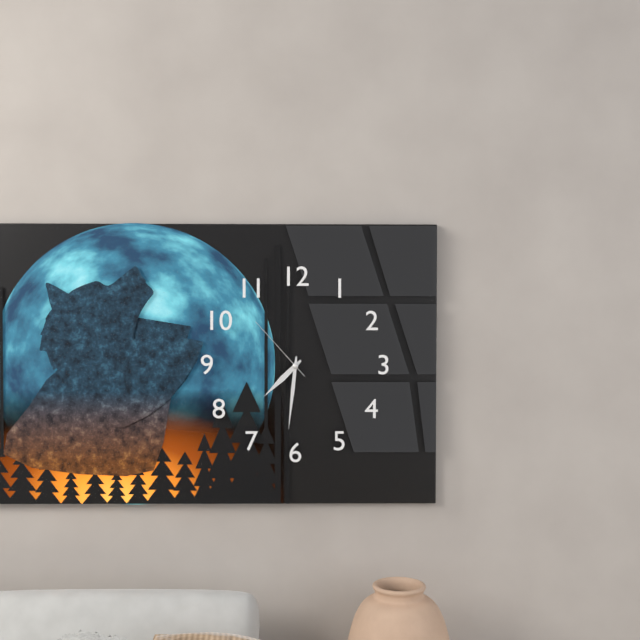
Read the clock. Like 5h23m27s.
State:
7h31m53s
